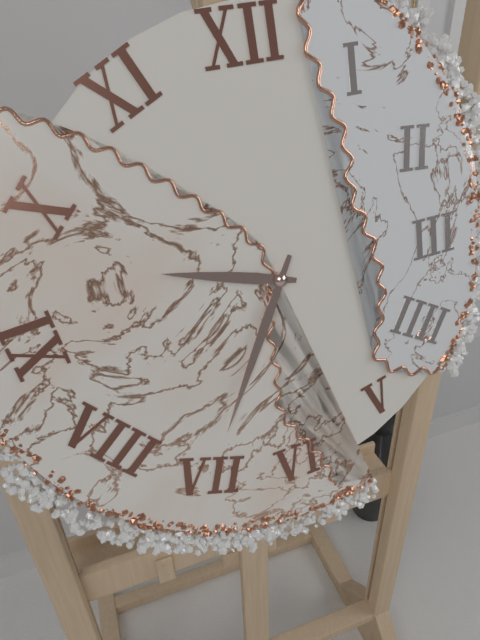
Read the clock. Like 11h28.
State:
9h35
